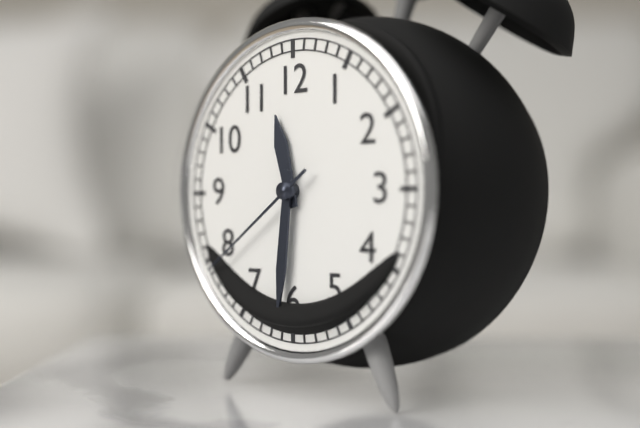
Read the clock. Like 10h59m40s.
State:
11h31m39s
